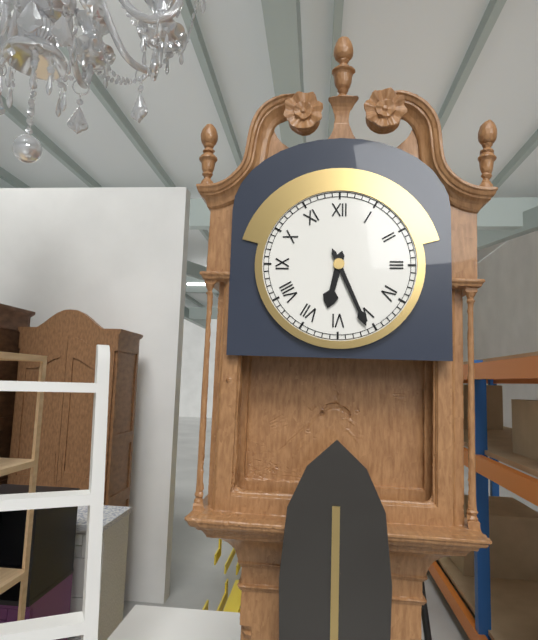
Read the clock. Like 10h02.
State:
6h26
